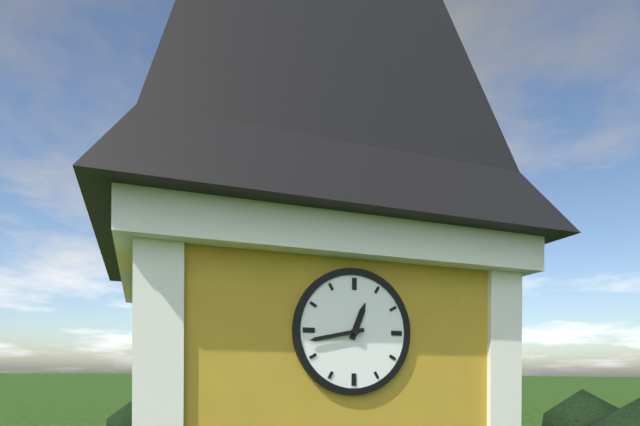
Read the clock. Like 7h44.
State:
12h43
